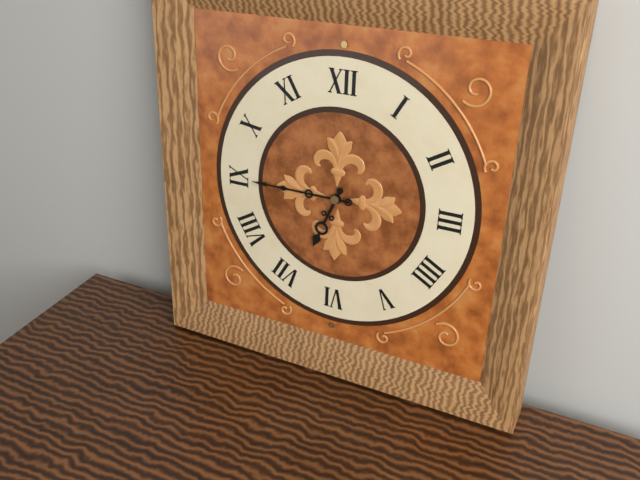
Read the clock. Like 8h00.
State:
6h45
